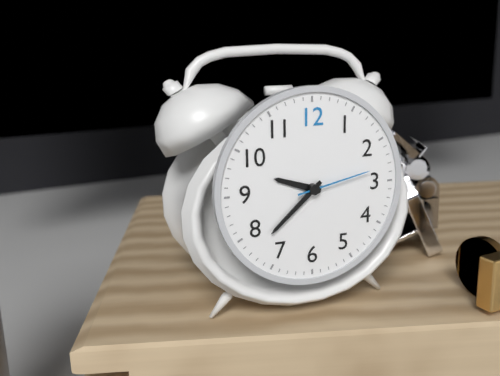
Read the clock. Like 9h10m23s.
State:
9h38m13s
